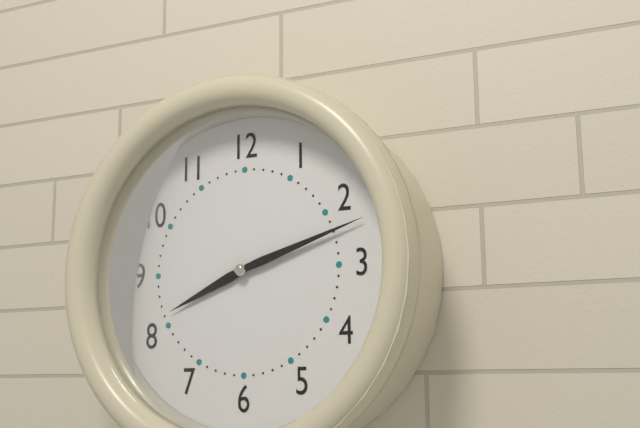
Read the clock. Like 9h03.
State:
8h12
